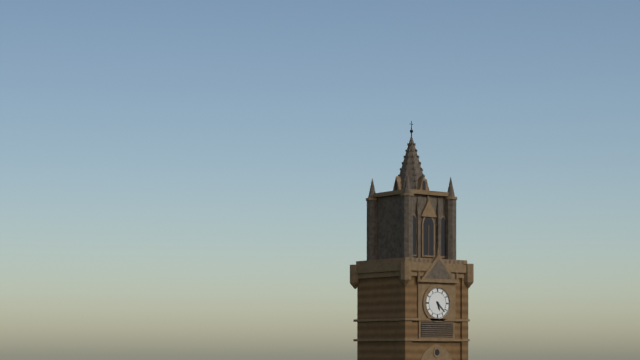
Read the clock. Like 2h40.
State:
5h22
